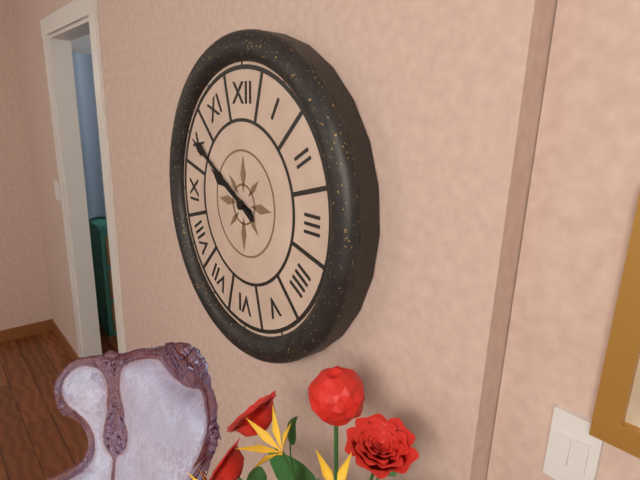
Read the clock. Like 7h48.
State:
9h50
